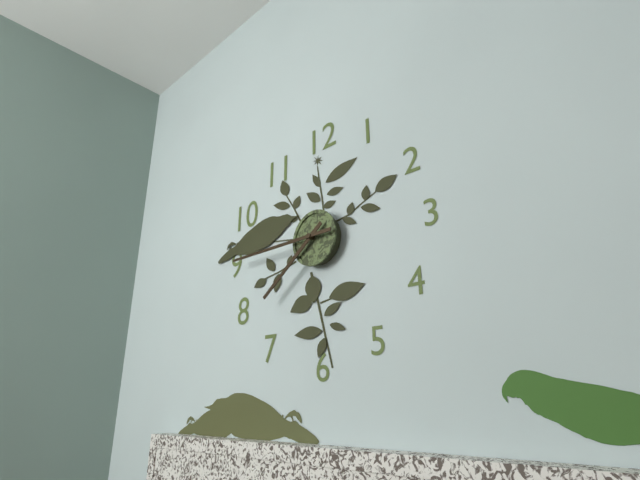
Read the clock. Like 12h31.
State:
7h45
